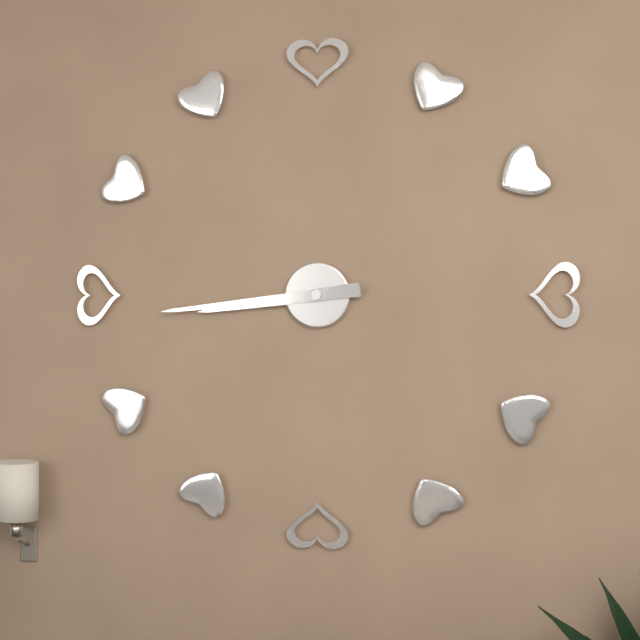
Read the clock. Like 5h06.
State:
8h44
